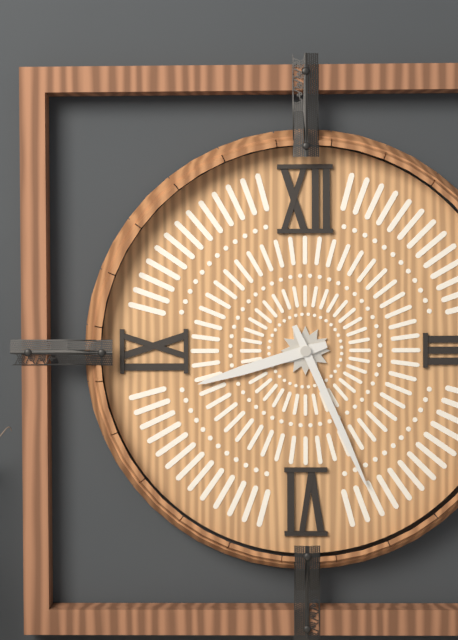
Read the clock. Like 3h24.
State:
8h26
